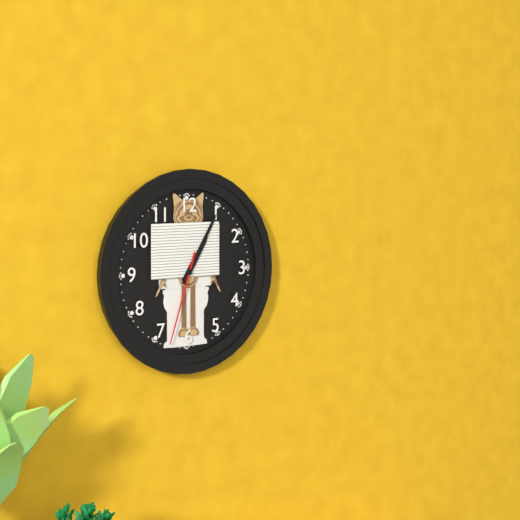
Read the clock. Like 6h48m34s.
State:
1h05m33s
